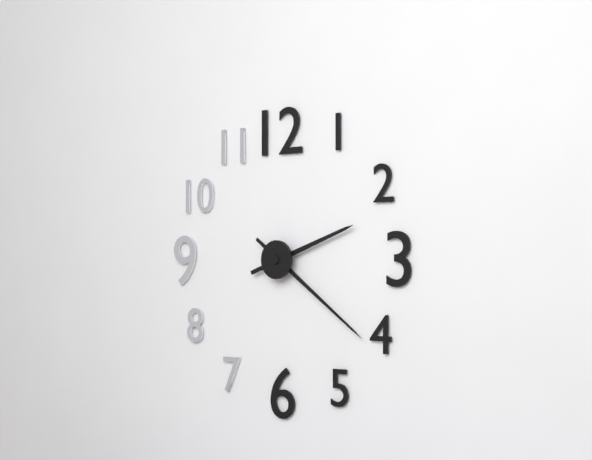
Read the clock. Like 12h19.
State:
2h21
